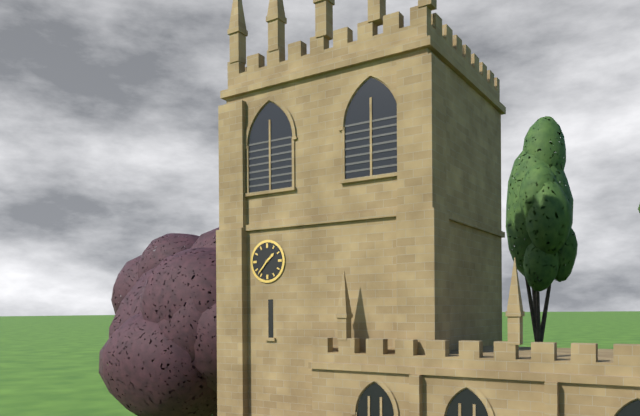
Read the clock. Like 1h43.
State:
1h37
